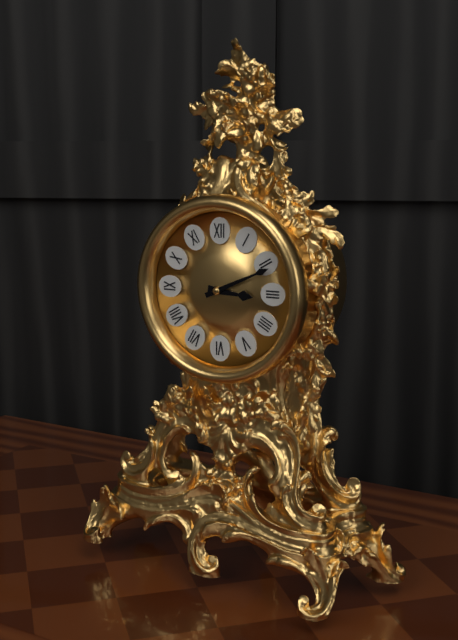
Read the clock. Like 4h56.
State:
3h11
